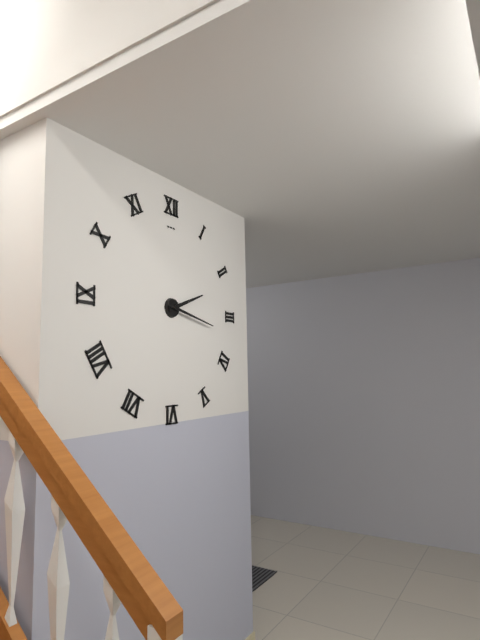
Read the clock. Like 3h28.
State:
2h17
